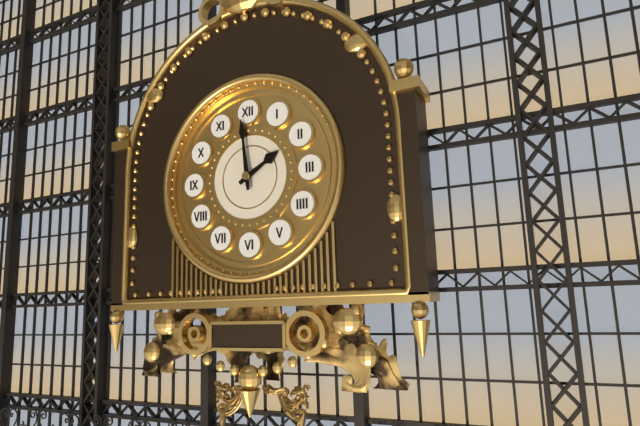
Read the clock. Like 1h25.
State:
1h59
